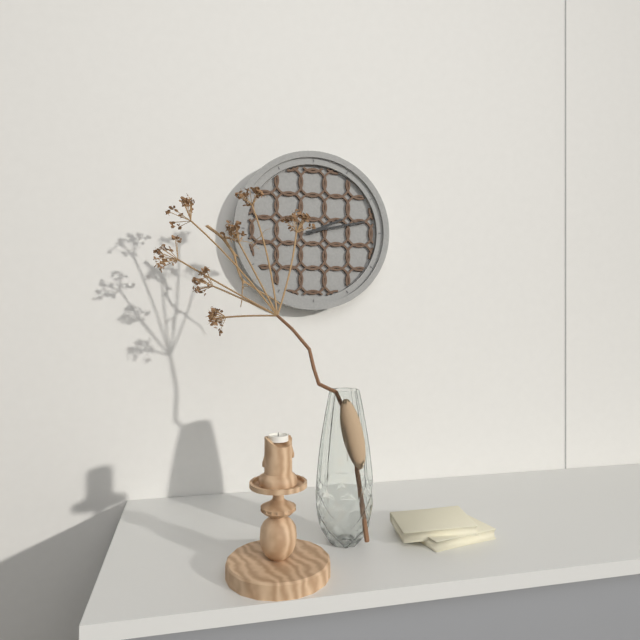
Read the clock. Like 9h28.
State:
2h13
